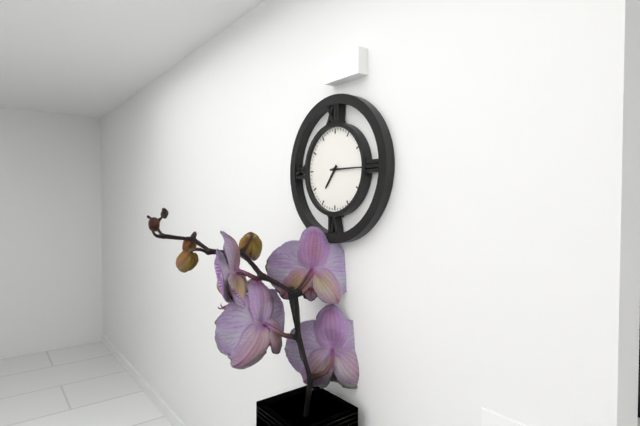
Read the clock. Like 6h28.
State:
7h15
